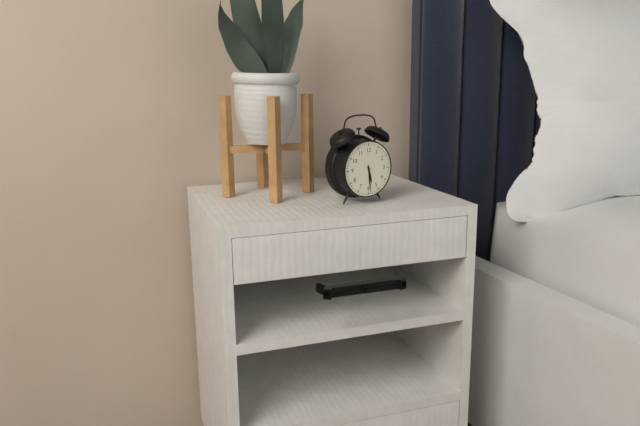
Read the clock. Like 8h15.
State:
5h29
